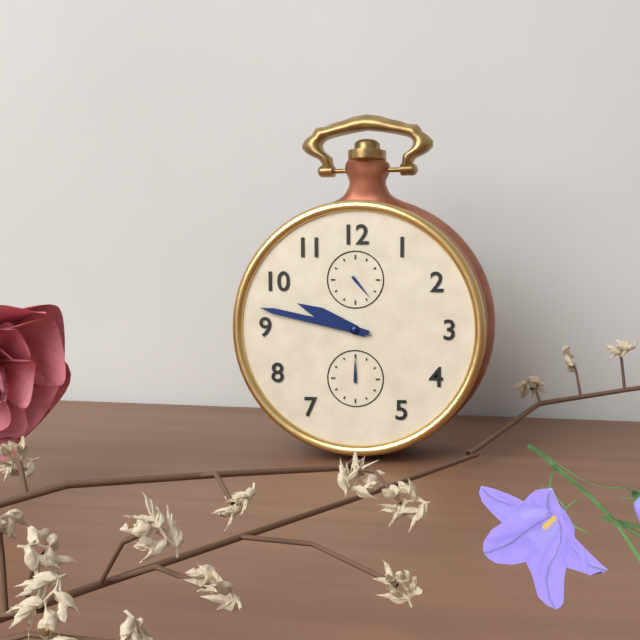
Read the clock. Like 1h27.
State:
9h47
